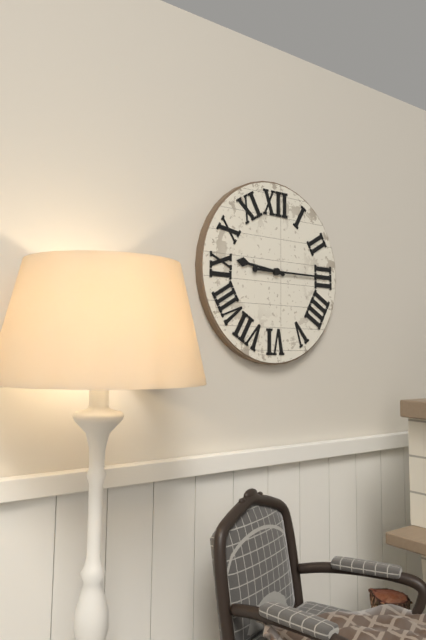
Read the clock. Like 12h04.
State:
9h15
